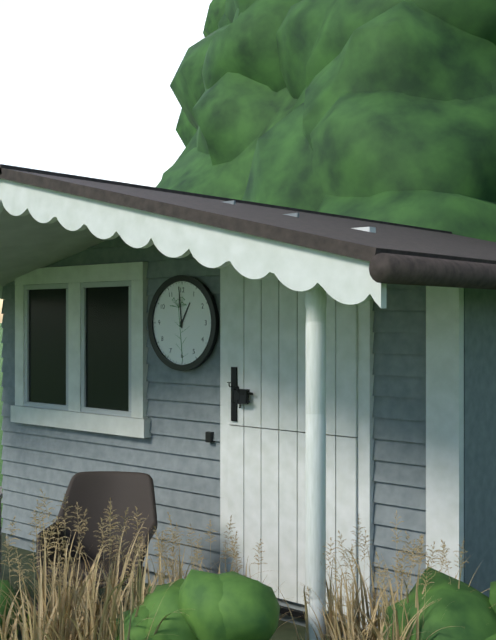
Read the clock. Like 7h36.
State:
12h59
